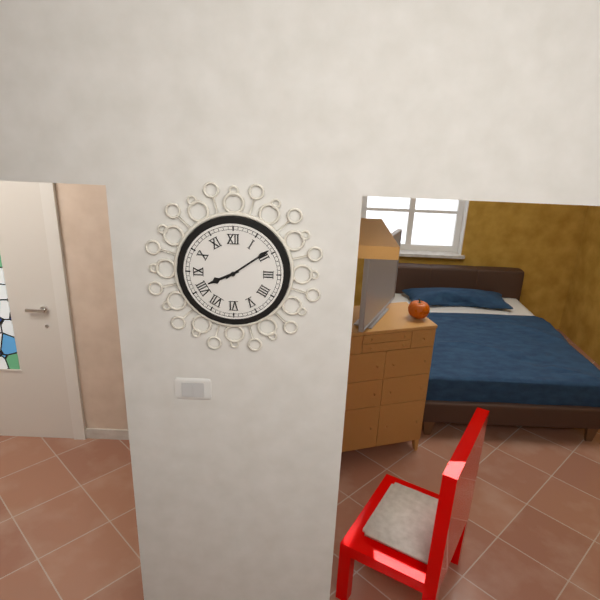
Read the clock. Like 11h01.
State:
8h09
